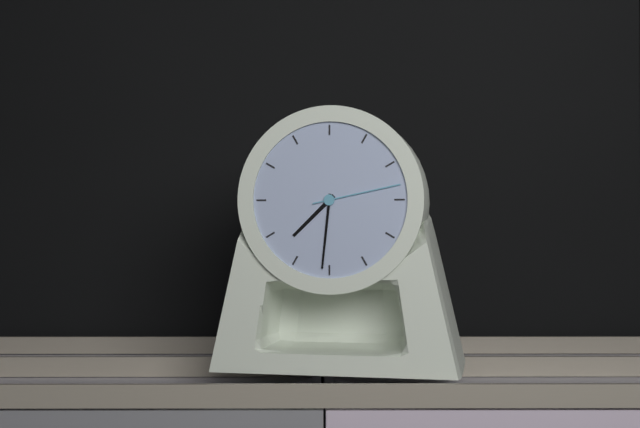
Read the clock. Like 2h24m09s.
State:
7h31m13s
